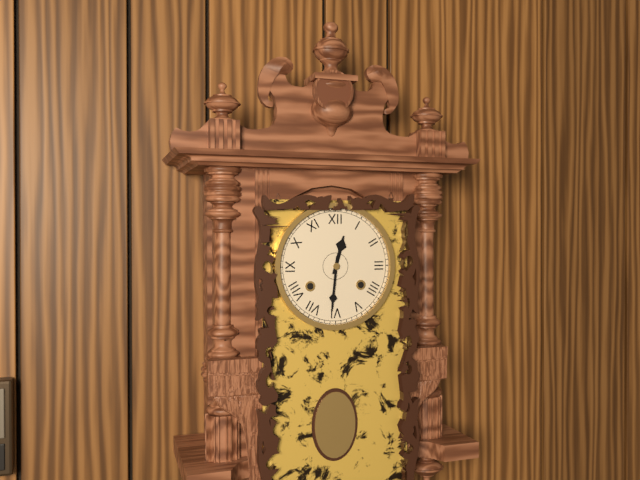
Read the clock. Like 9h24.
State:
12h31
